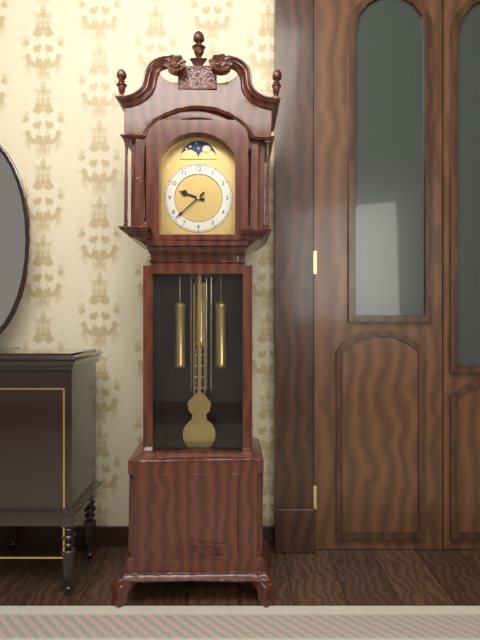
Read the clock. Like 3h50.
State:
9h38
